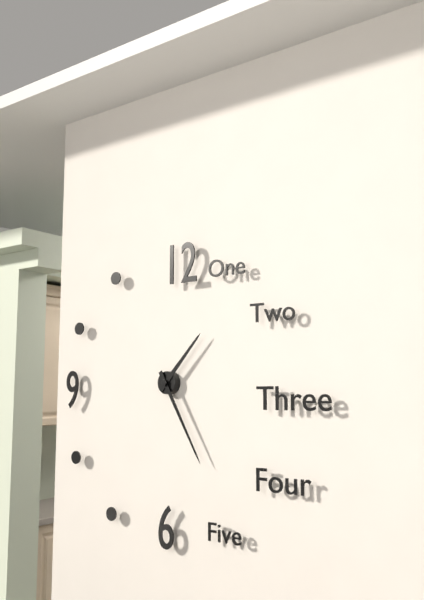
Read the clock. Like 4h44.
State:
1h25
